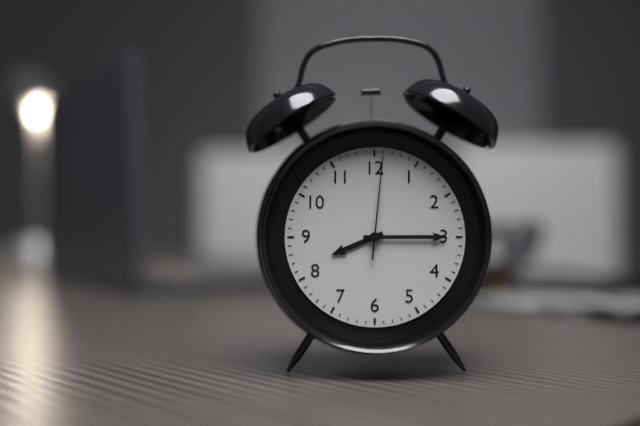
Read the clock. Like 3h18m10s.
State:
8h15m01s
